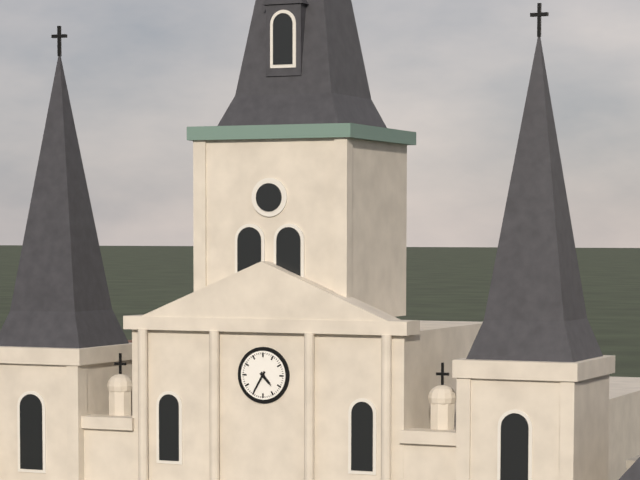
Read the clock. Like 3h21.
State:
4h35
